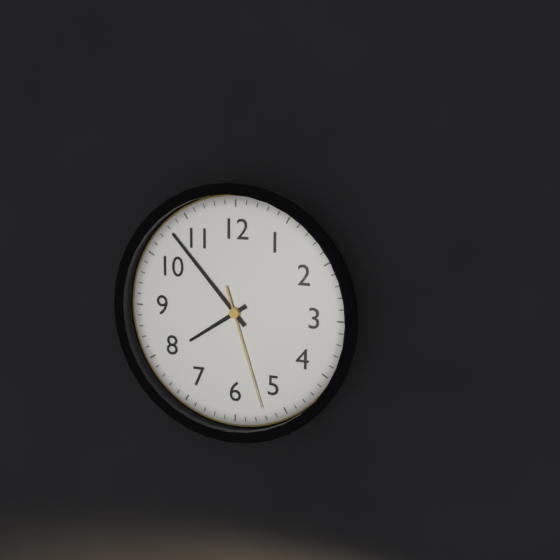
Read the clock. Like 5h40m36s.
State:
7h53m27s
